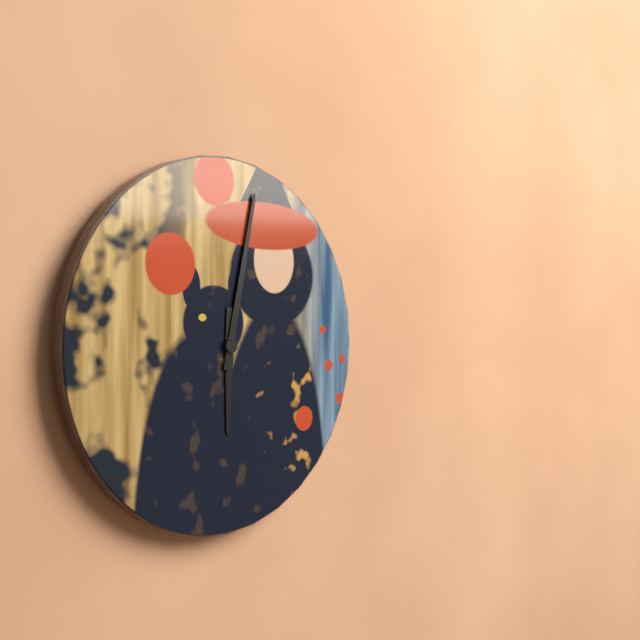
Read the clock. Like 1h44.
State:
6h02
